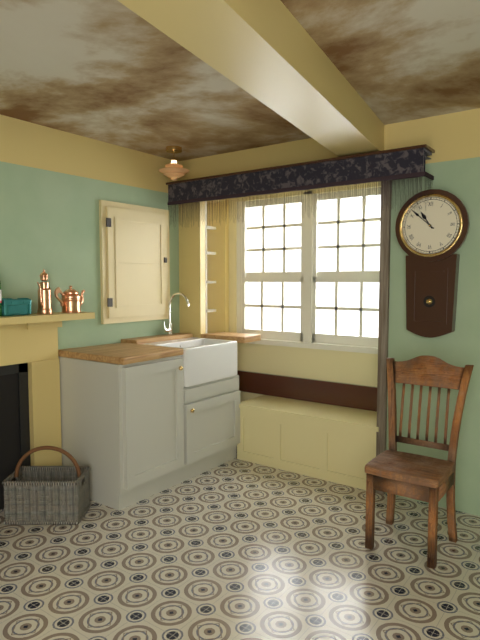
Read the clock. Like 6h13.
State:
10h52
